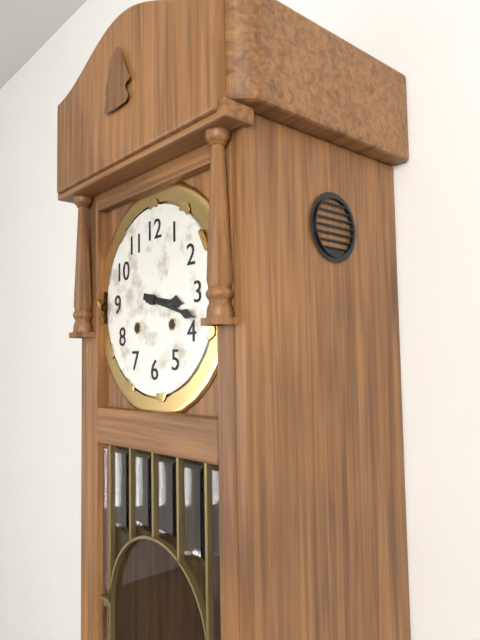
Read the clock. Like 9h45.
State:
3h18
